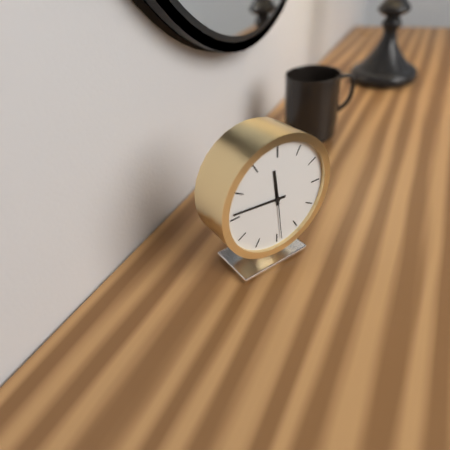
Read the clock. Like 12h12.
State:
11h46
